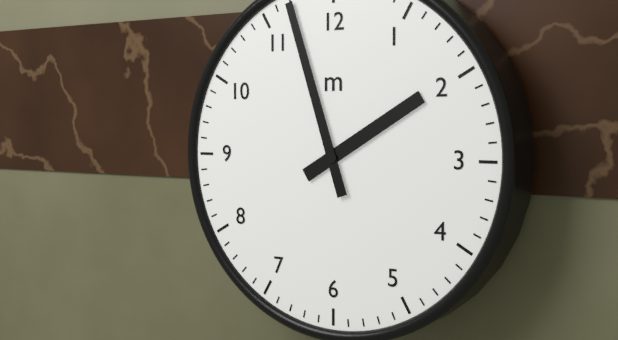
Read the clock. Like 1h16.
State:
1h57
